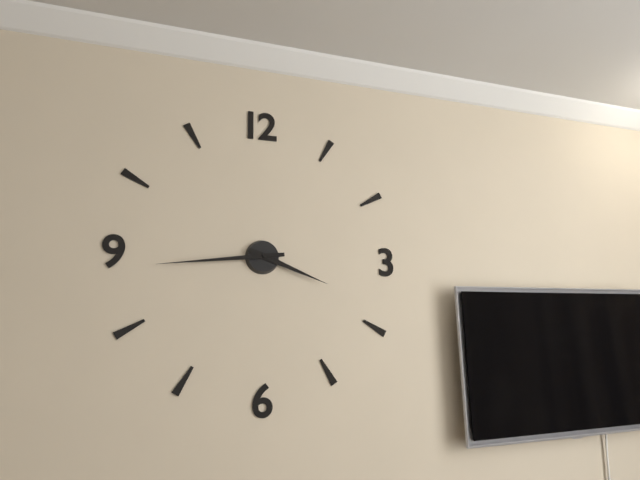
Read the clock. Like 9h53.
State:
3h44
